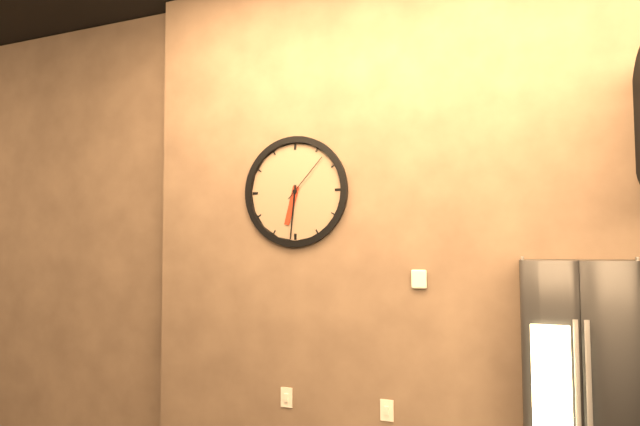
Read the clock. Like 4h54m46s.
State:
6h31m07s
